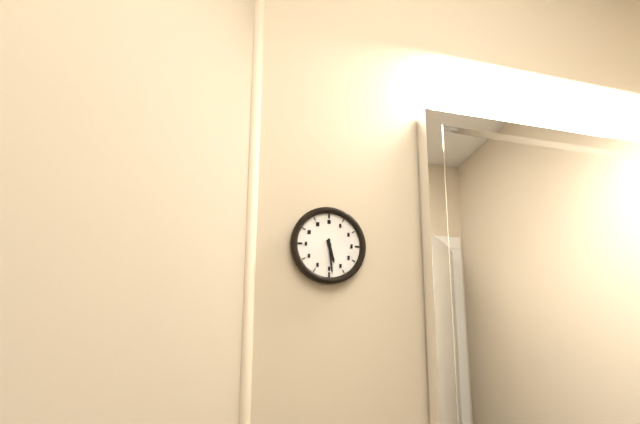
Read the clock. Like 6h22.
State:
5h29
